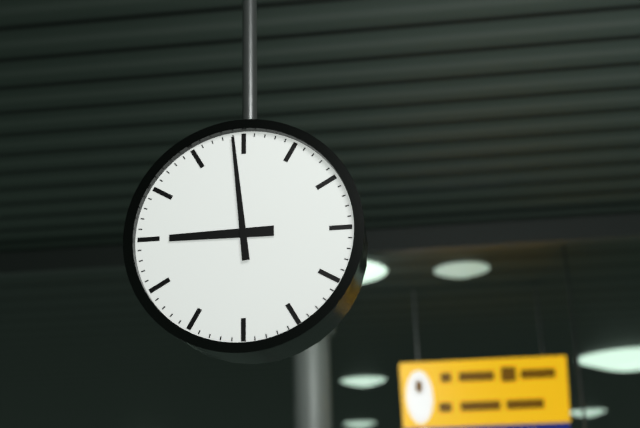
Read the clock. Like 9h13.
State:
8h59
